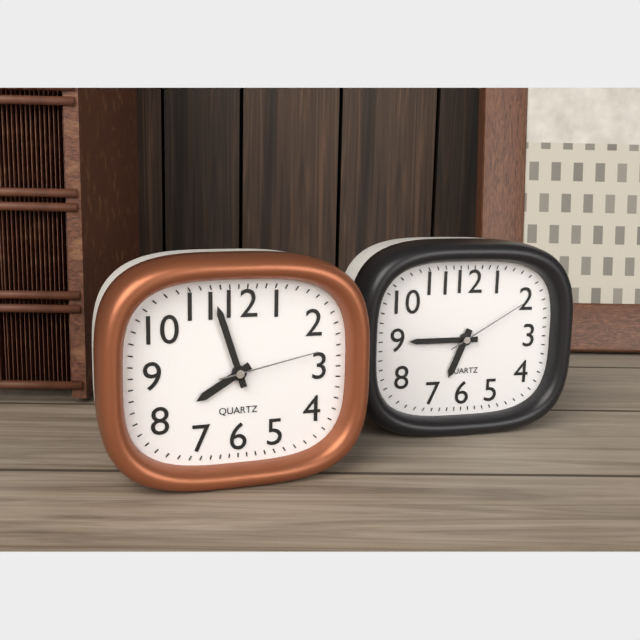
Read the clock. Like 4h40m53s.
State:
7h57m13s
